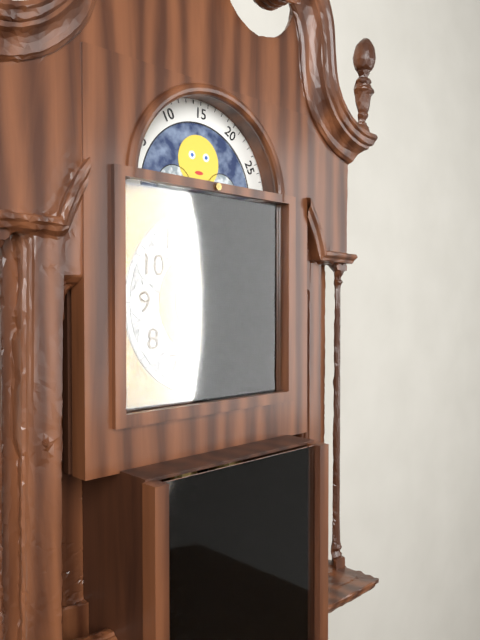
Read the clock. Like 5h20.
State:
1h20
